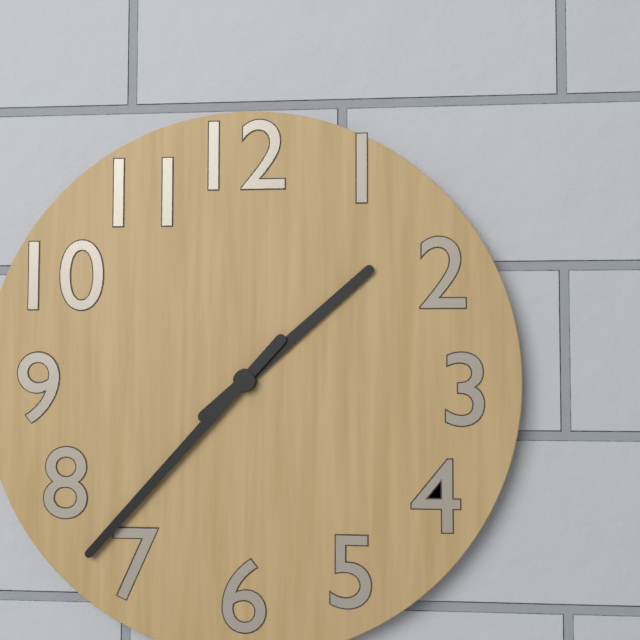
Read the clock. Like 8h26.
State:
1h37
